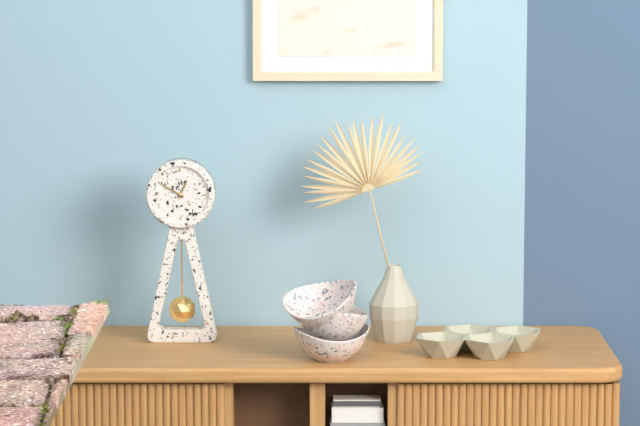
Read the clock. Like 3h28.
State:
12h50
